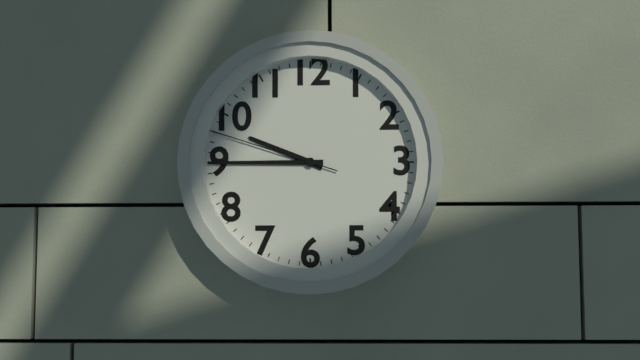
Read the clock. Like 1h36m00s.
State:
9h45m48s
